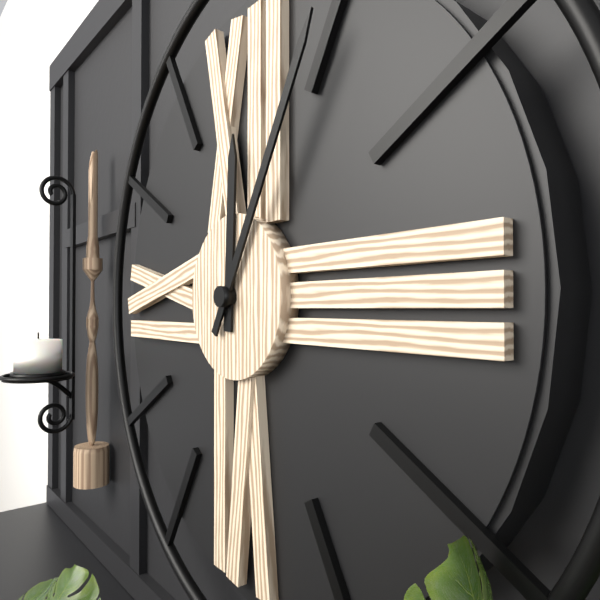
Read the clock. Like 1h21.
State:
12h05
